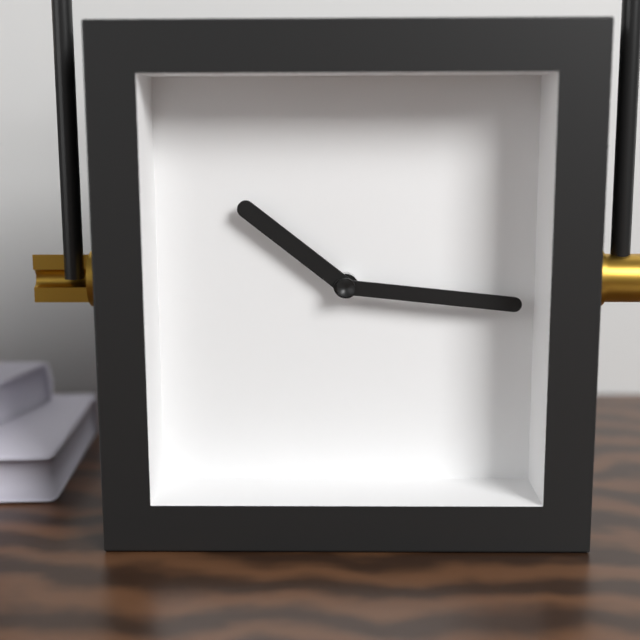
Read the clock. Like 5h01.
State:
10h16
